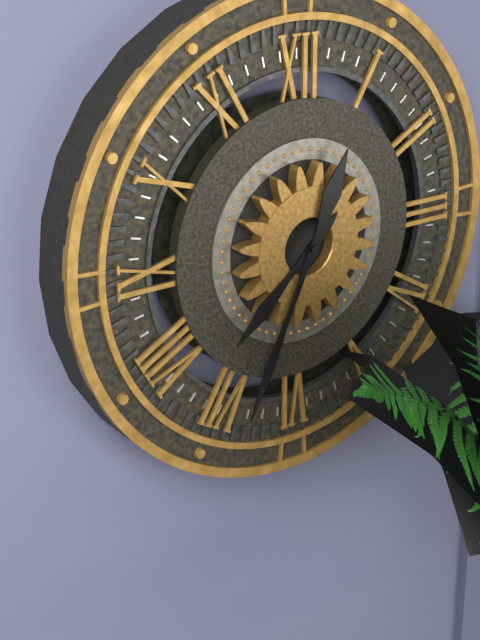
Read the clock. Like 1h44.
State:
7h34
